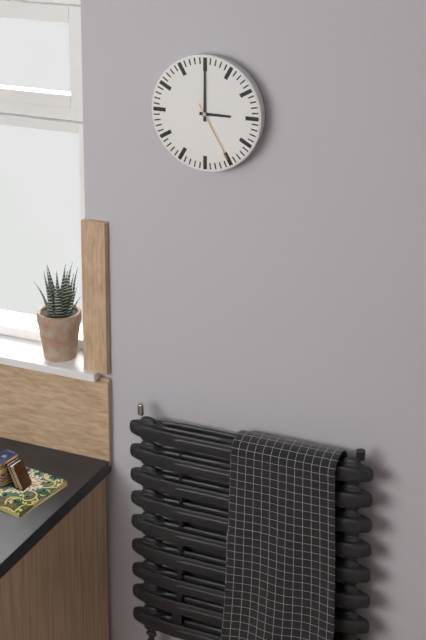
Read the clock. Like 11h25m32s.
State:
3h00m25s
